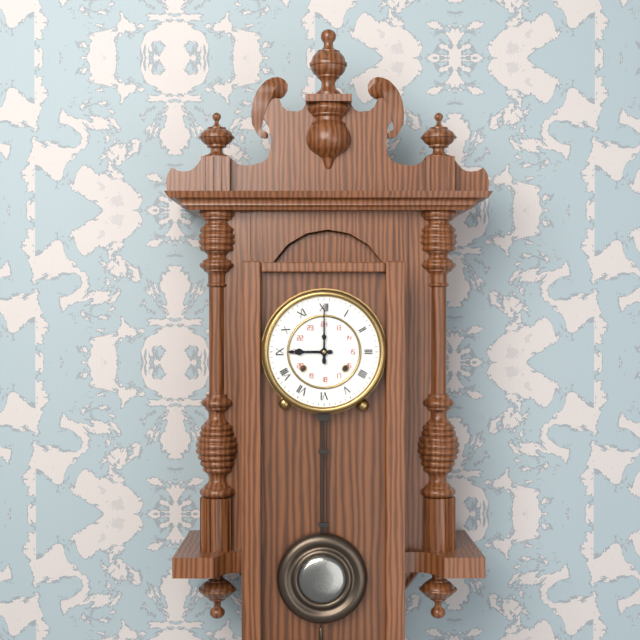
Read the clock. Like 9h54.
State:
9h00
